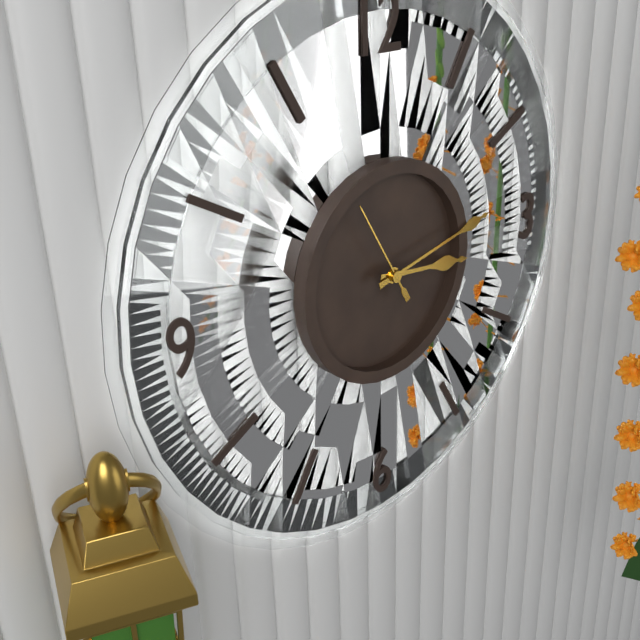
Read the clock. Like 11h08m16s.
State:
3h13m55s
